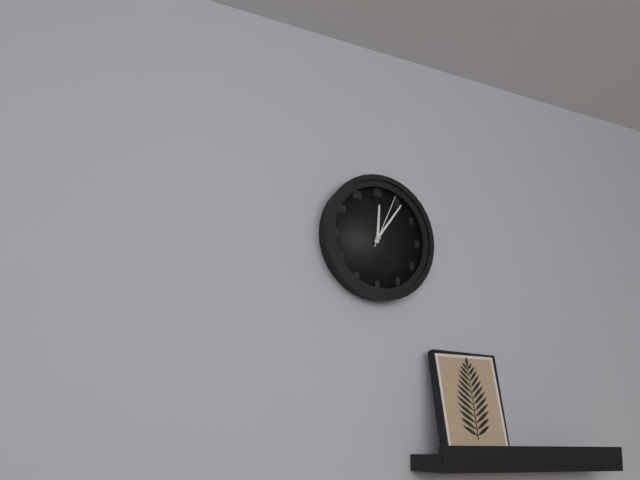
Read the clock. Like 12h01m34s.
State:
12h06m04s
